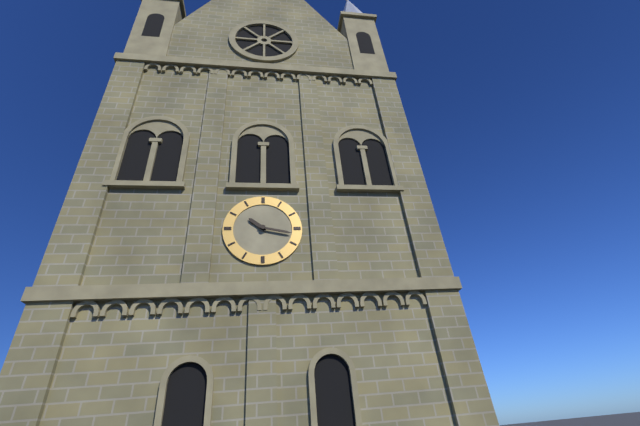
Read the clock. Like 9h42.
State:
10h17
